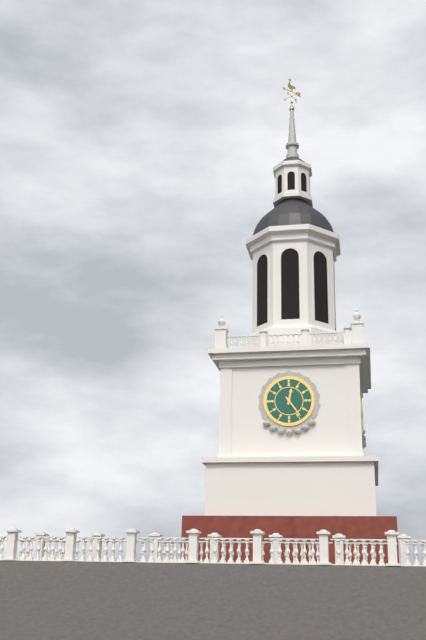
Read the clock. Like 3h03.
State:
12h24
